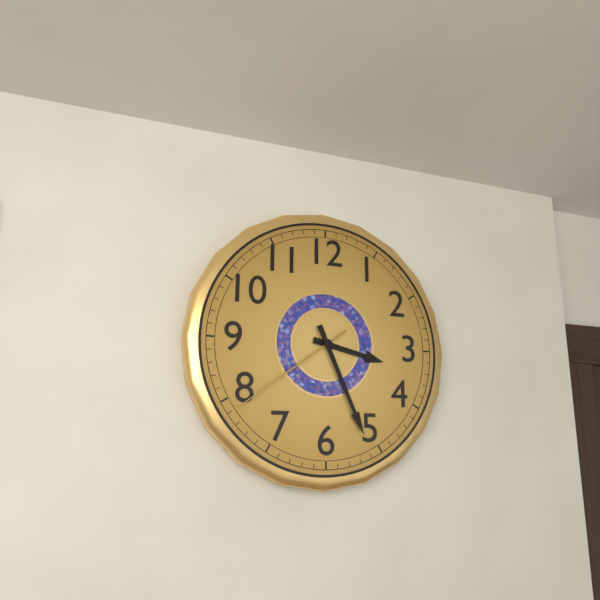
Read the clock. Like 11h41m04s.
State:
3h26m39s
